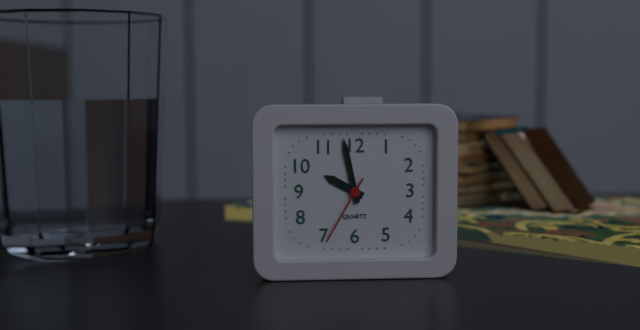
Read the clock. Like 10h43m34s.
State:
9h58m35s
